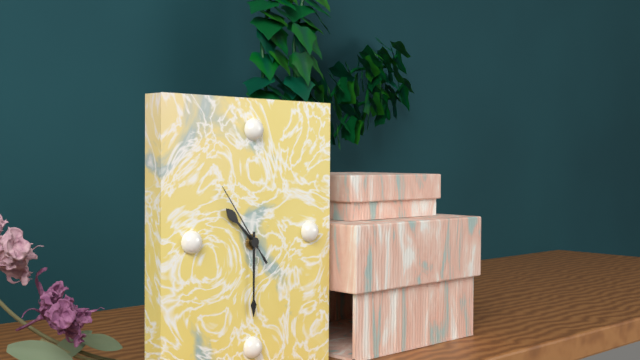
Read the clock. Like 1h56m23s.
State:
10h30m54s
